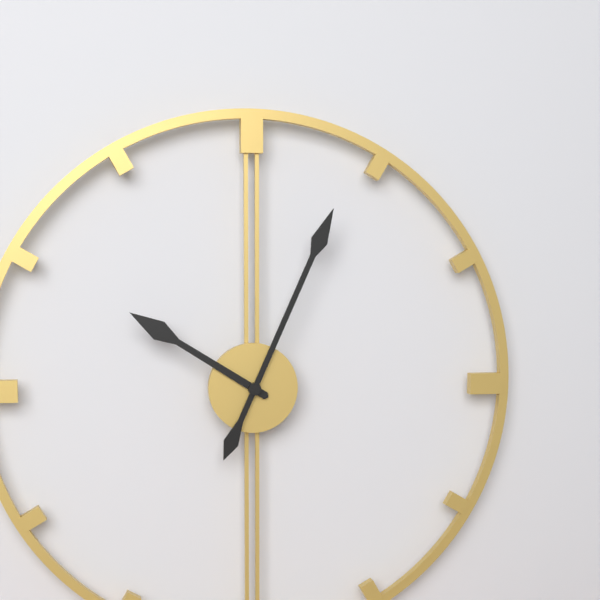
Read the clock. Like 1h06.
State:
10h04
